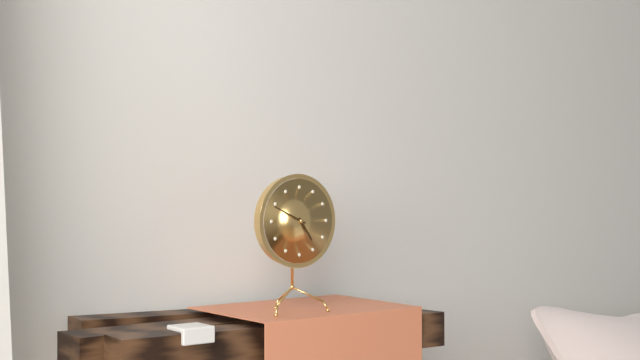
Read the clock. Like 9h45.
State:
4h49
